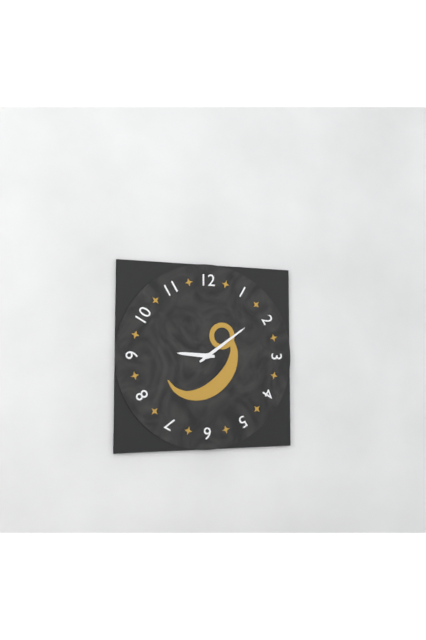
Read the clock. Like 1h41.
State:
9h09
